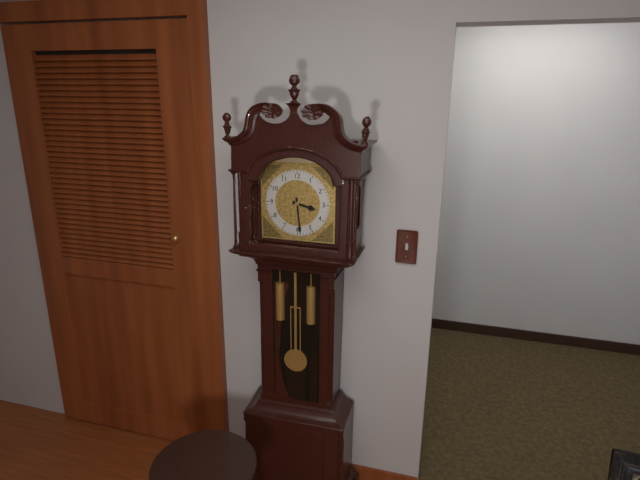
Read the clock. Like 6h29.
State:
3h29
